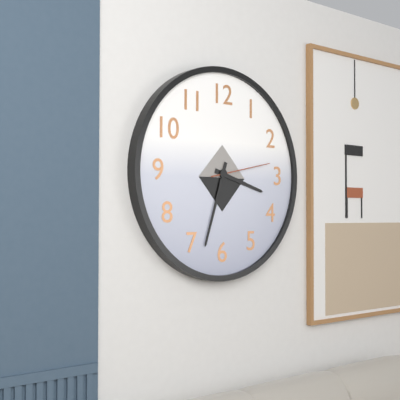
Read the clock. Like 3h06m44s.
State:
3h33m13s
